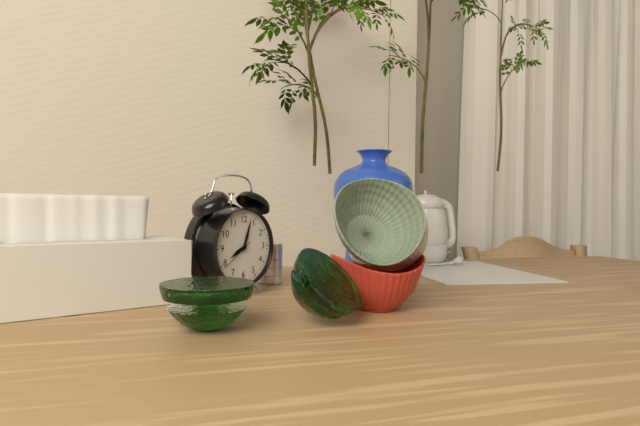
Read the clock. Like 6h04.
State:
8h03
